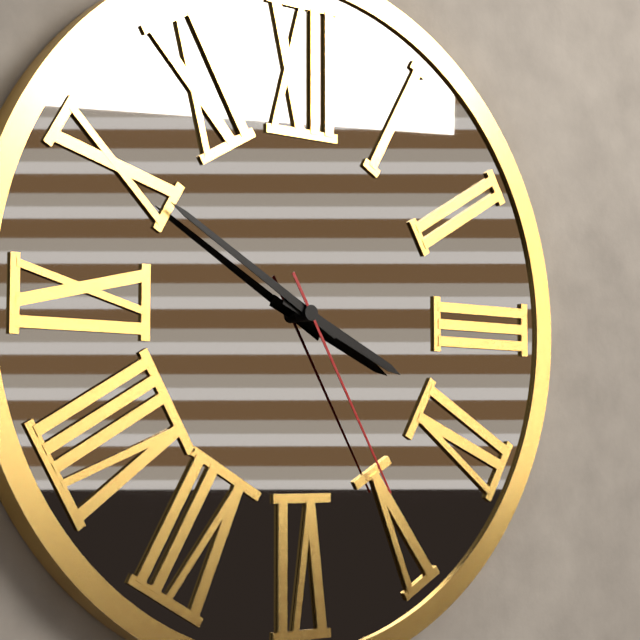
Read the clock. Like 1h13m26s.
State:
3h50m25s
